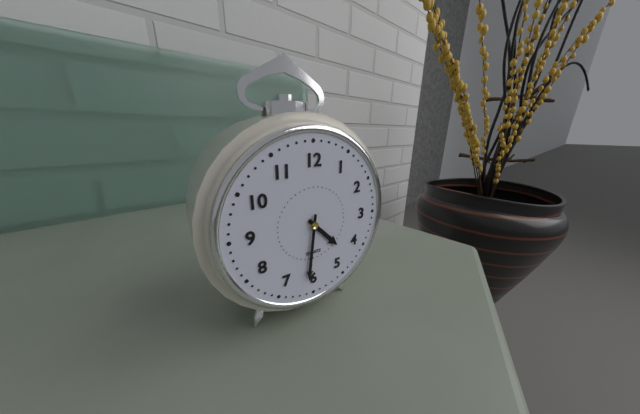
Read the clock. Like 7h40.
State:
4h31
